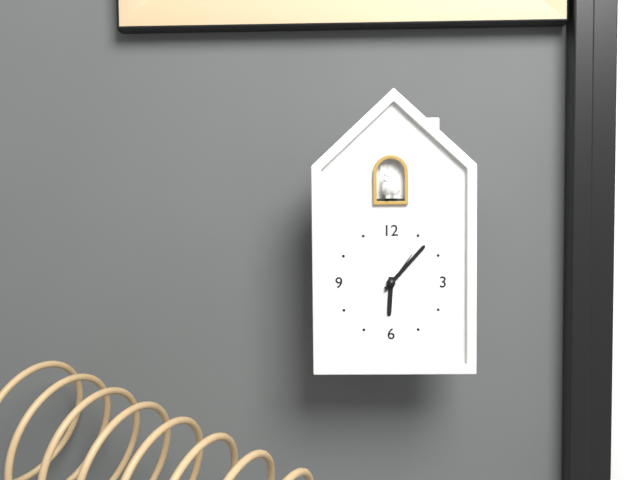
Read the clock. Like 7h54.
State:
6h07
